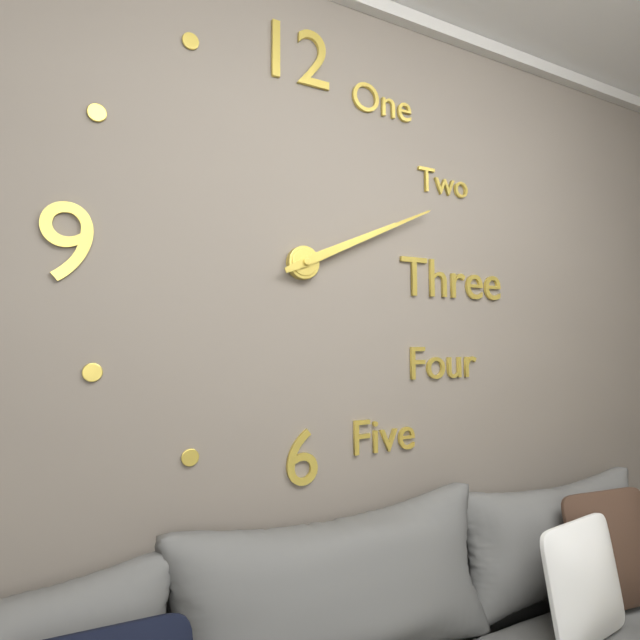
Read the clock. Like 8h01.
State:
2h11
